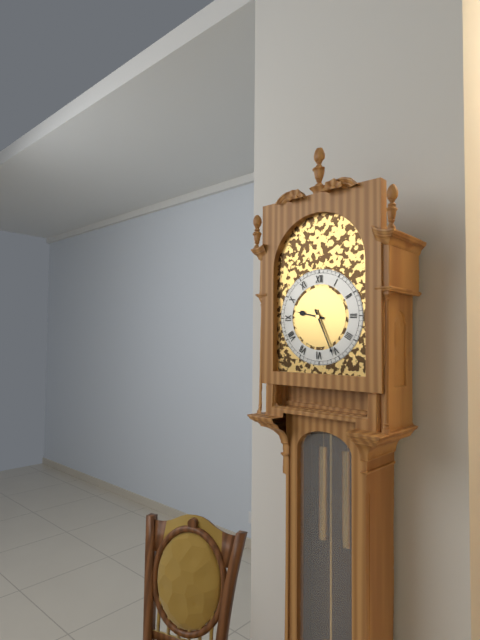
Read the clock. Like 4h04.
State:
9h26
